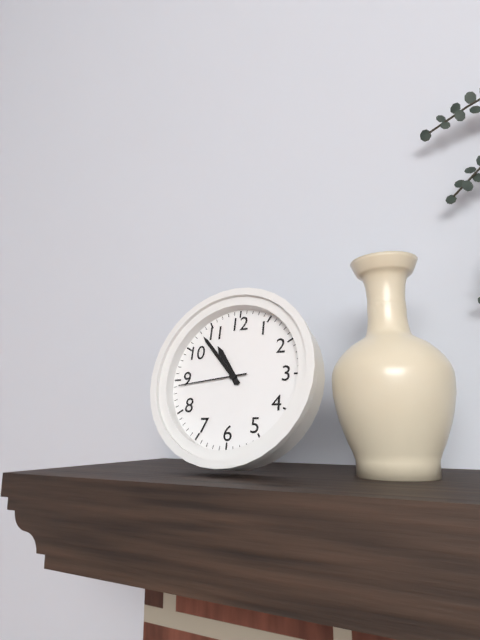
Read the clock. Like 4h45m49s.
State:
10h53m44s
